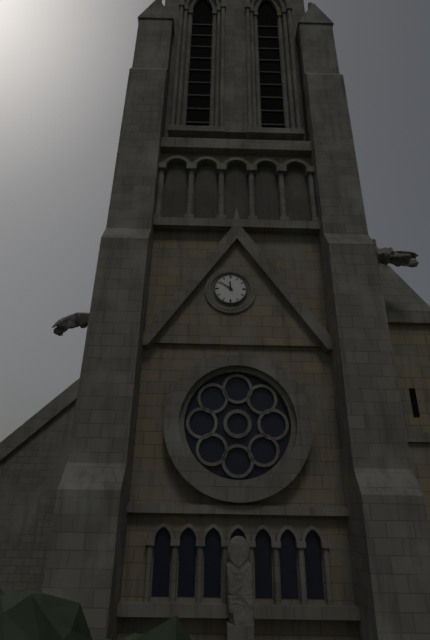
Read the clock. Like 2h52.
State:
11h51
